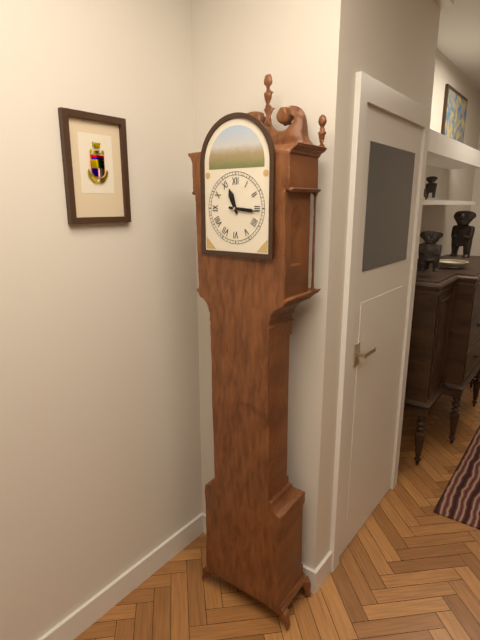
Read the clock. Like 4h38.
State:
11h16
